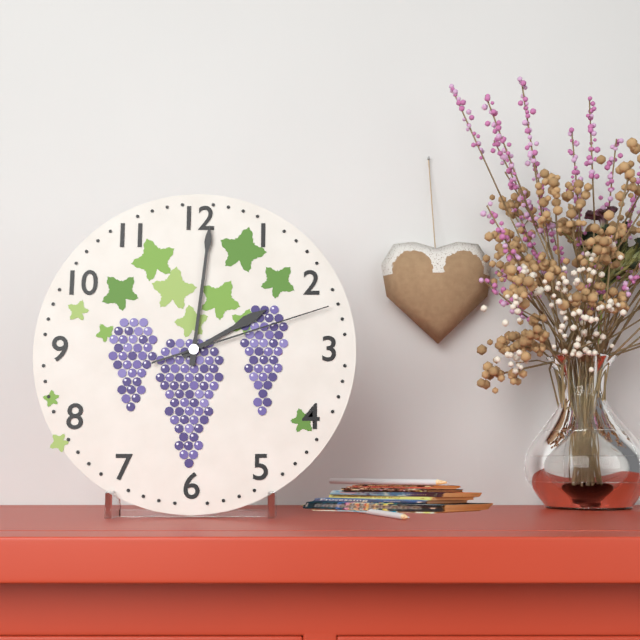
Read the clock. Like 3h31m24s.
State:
2h01m12s
